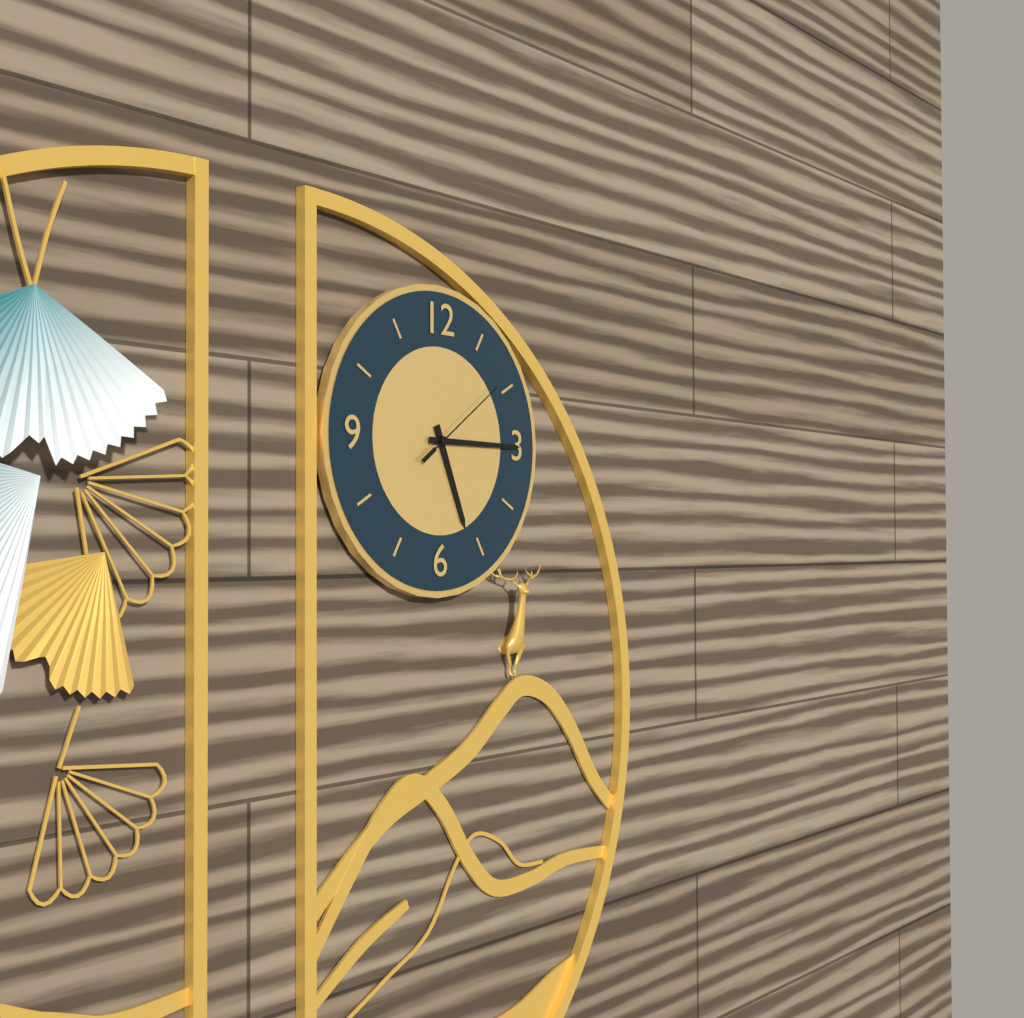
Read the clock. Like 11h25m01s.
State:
5h15m09s
